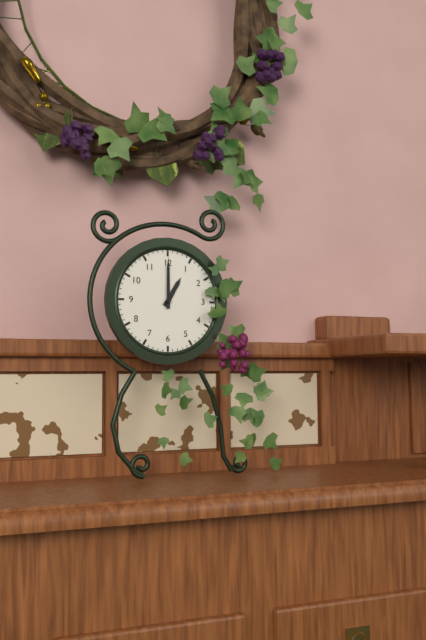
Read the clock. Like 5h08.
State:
1h00
